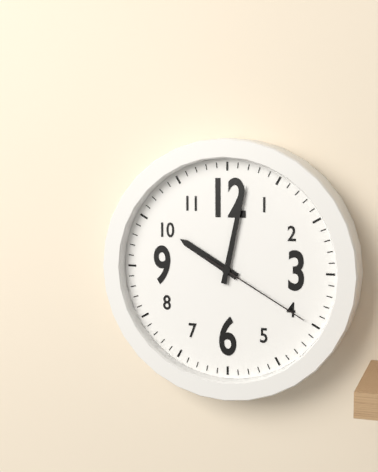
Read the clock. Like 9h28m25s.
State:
10h02m20s
